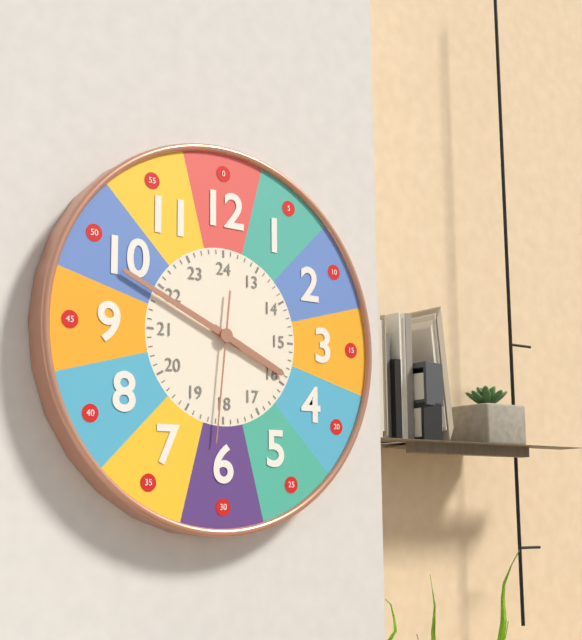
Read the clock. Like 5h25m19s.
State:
3h49m31s
